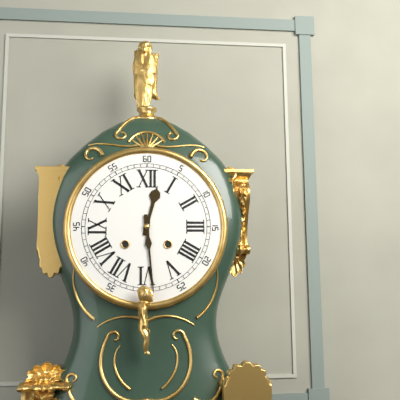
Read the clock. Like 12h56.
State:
12h29
